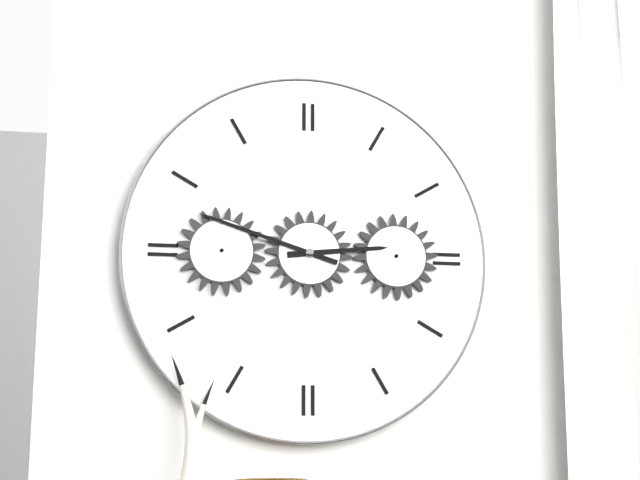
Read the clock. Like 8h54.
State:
2h48
